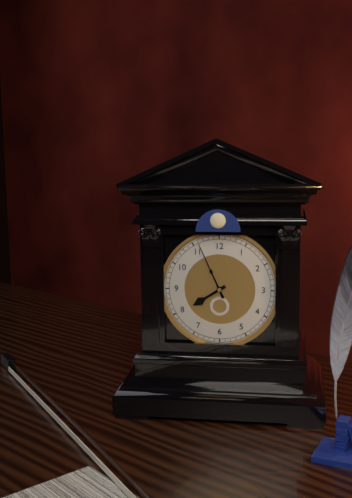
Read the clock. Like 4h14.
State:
7h56
